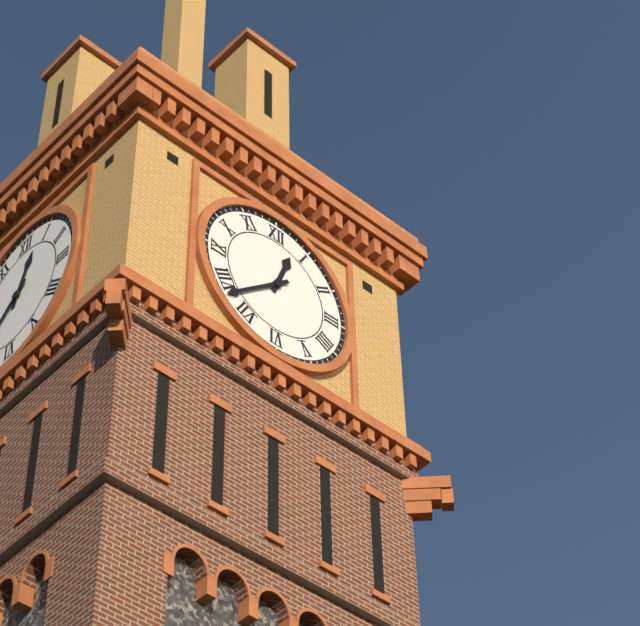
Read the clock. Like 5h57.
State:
12h38
